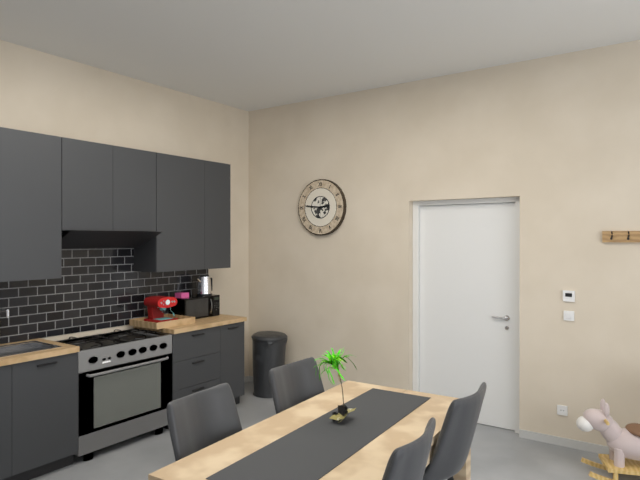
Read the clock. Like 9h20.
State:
2h46
